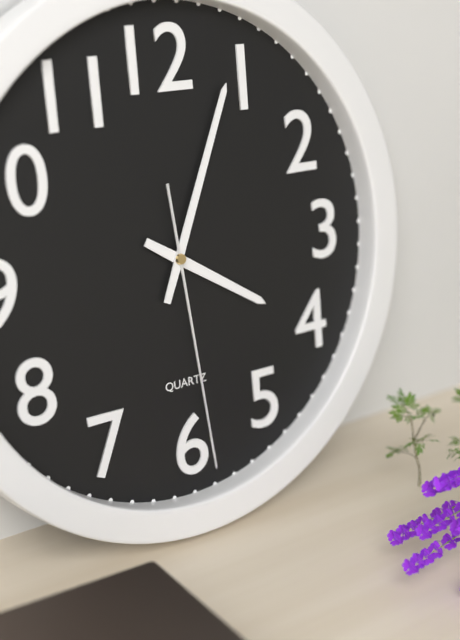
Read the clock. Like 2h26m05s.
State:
4h04m29s
